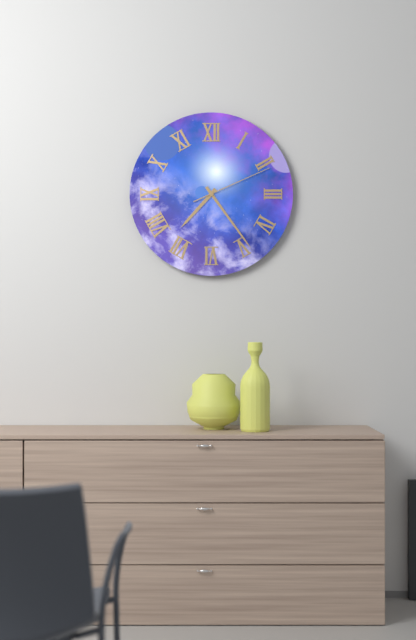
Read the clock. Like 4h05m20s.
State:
7h24m11s
